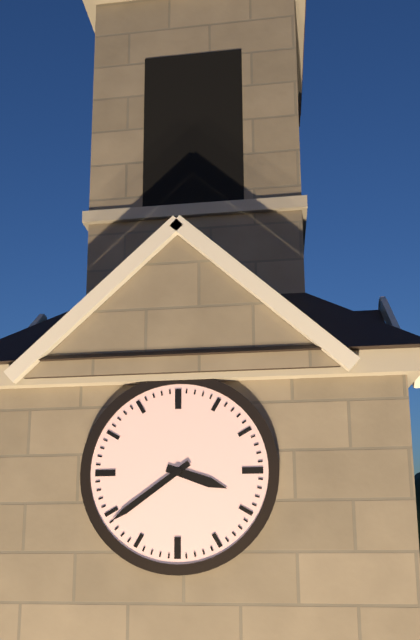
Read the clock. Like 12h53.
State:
3h39
